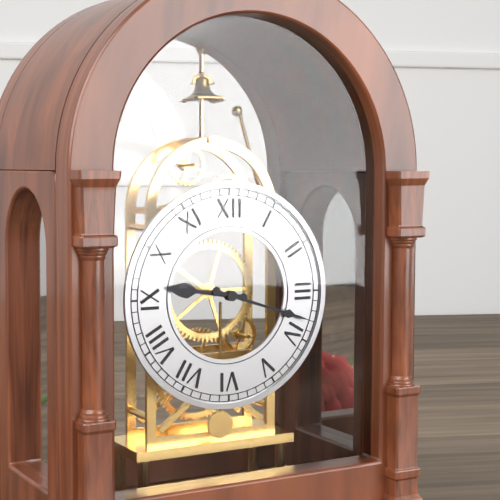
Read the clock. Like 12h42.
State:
9h18
